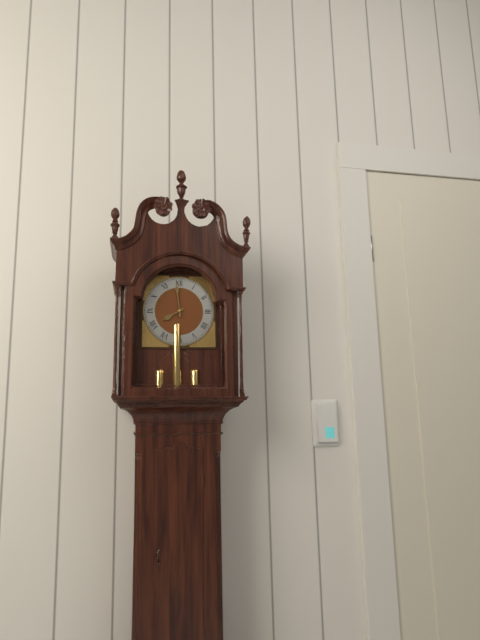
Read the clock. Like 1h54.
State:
7h59
